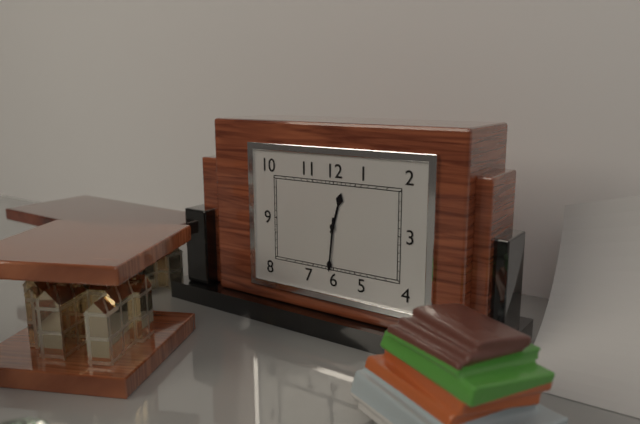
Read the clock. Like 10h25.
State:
12h31
